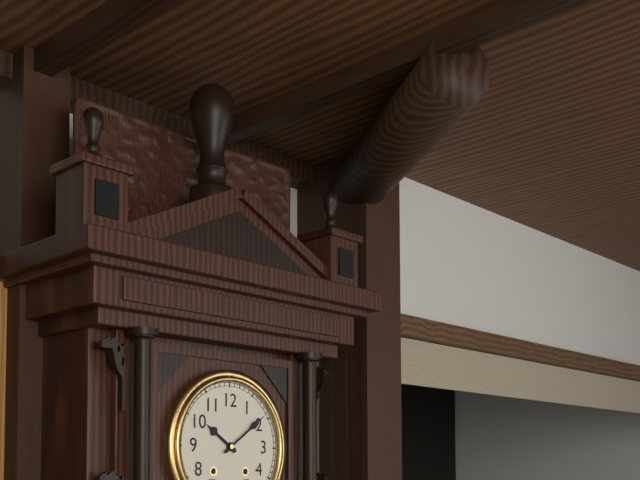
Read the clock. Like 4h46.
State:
10h09
